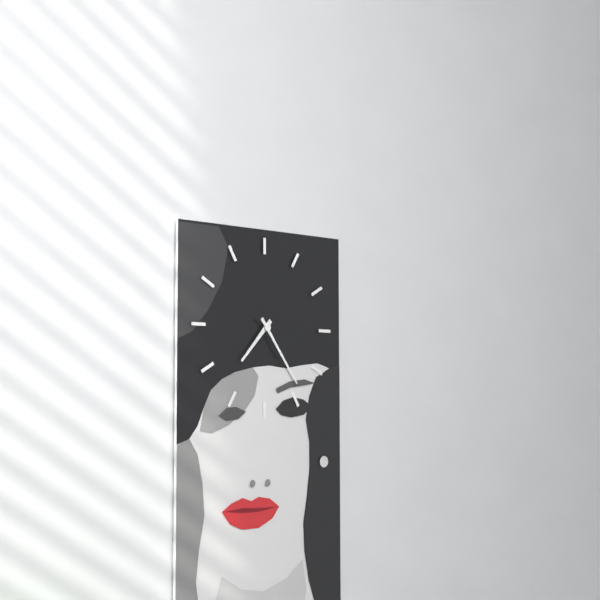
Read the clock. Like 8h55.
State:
7h24
